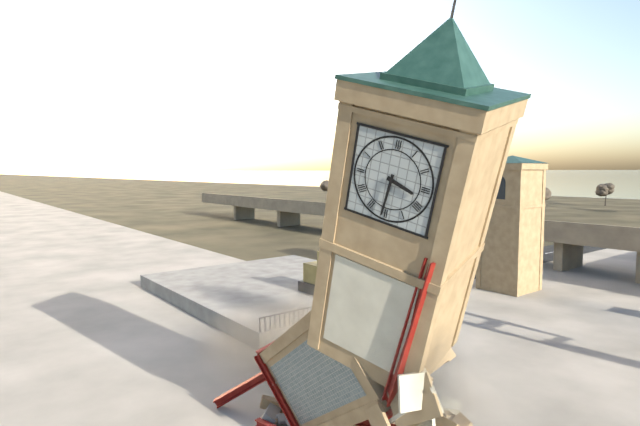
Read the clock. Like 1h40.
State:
3h31
